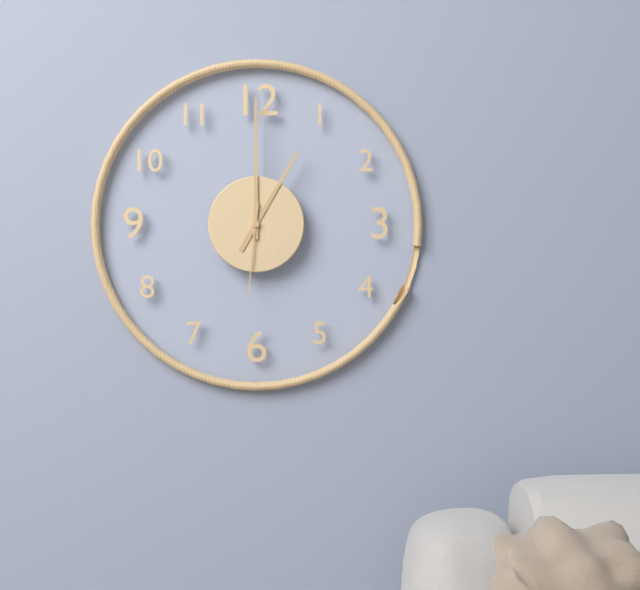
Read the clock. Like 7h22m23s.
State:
1h00m31s
